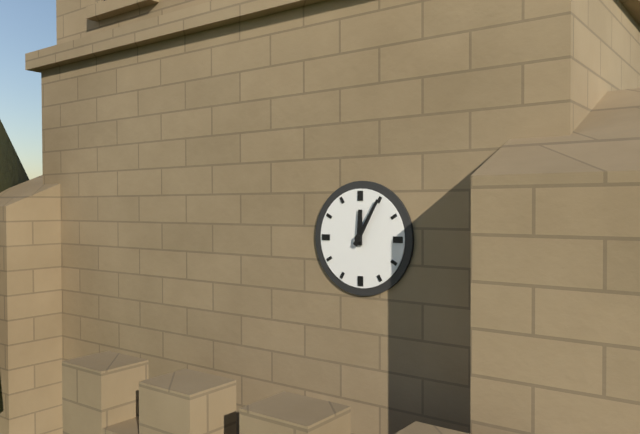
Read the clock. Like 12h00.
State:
12h05
